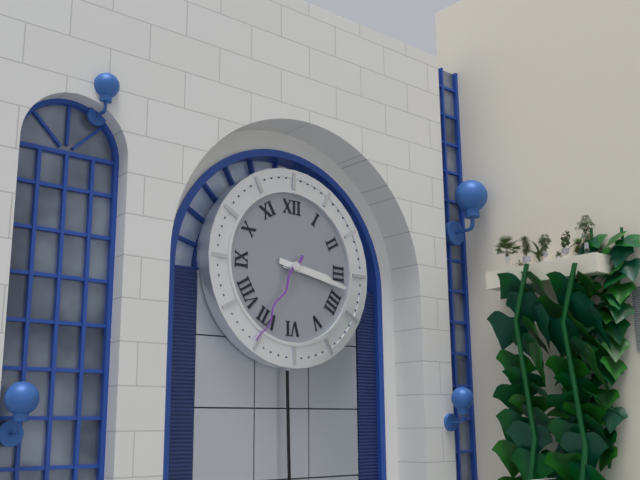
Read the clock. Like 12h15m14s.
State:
3h17m35s
